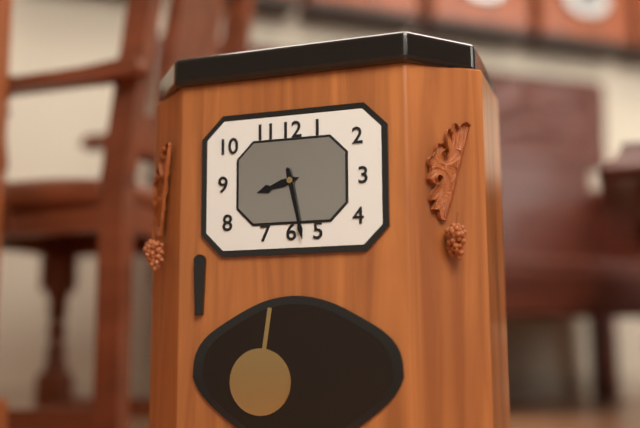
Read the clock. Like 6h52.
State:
8h28
